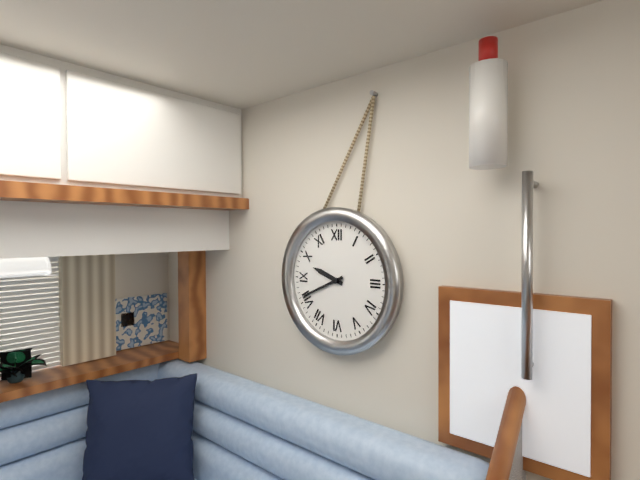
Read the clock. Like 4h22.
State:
9h41
